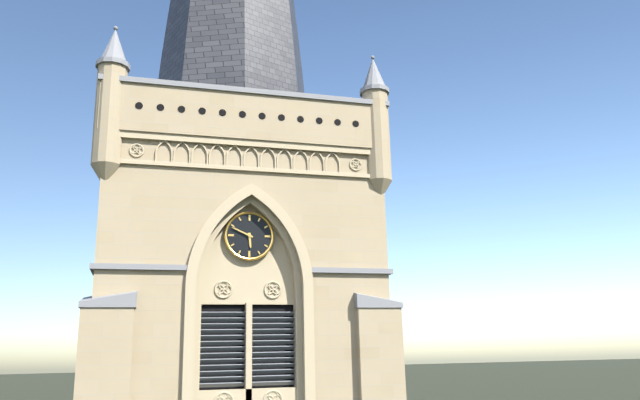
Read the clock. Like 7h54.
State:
5h49
